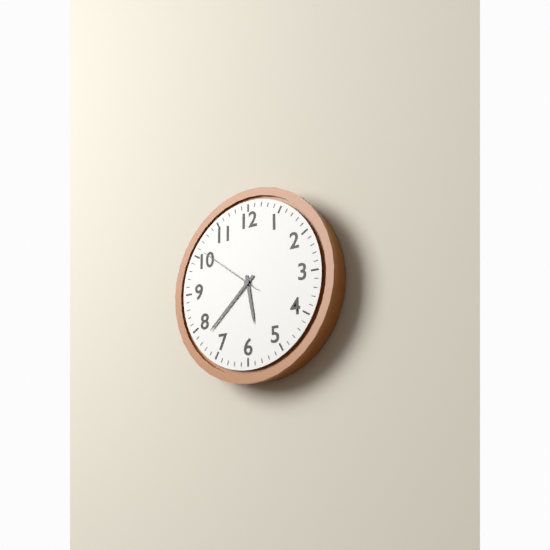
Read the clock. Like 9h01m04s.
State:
5h38m51s
